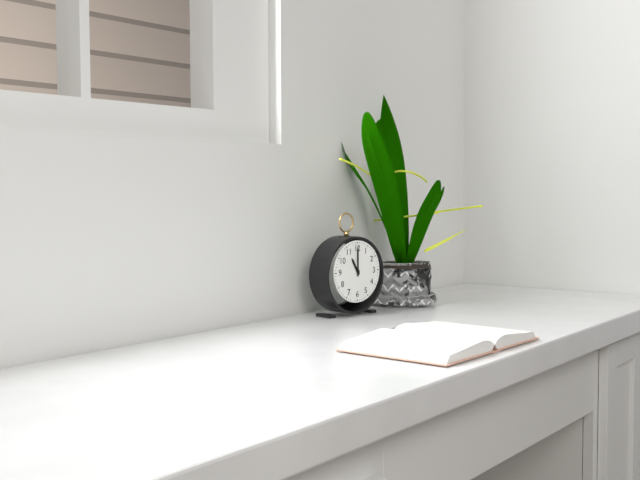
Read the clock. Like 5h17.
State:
11h00
